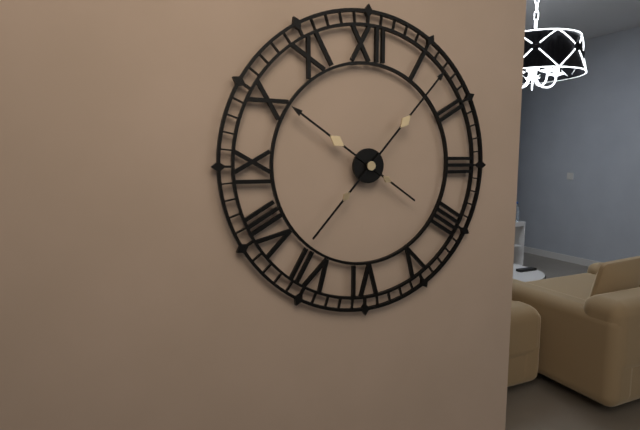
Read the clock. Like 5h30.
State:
10h07
